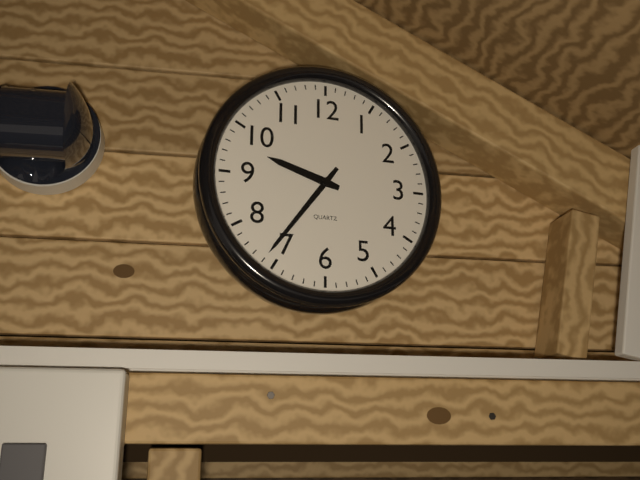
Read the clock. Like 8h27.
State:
9h36
